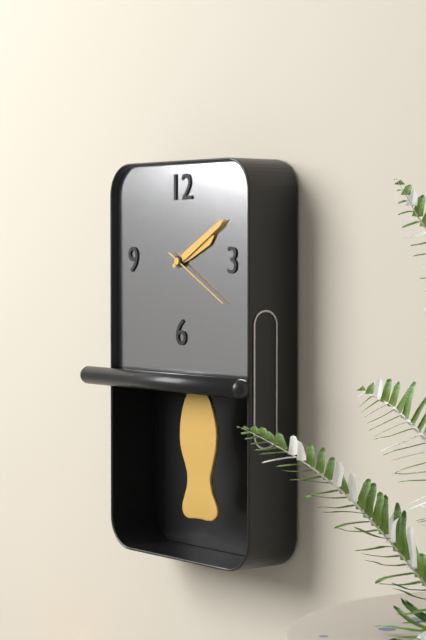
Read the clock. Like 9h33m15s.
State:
2h10m20s
